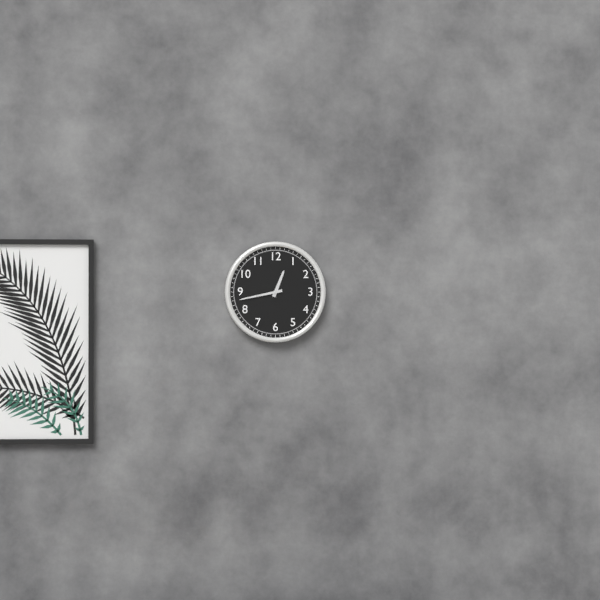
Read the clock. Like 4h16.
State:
12h43
